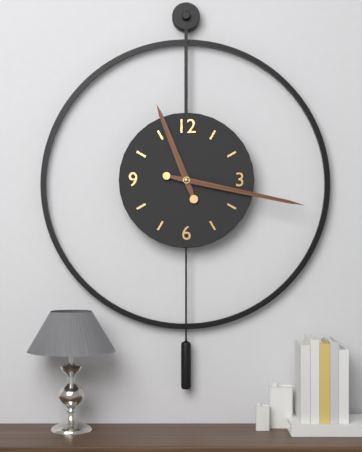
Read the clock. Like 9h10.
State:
11h17
